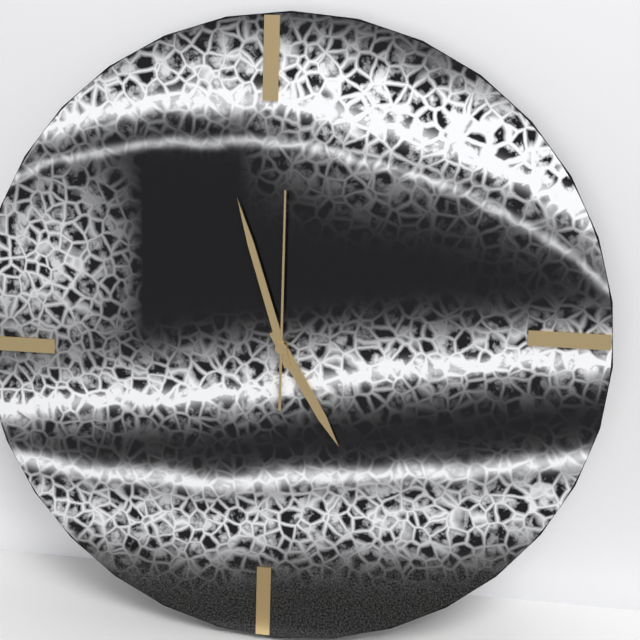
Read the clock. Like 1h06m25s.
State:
4h57m00s
